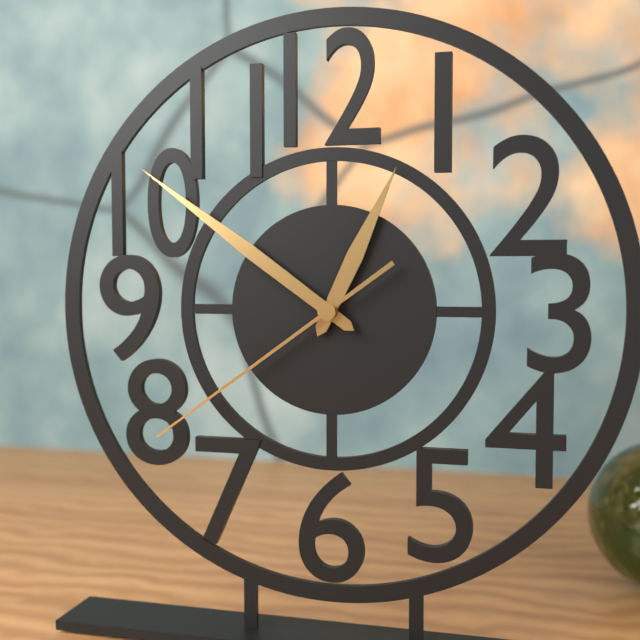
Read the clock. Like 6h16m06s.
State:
12h51m39s
